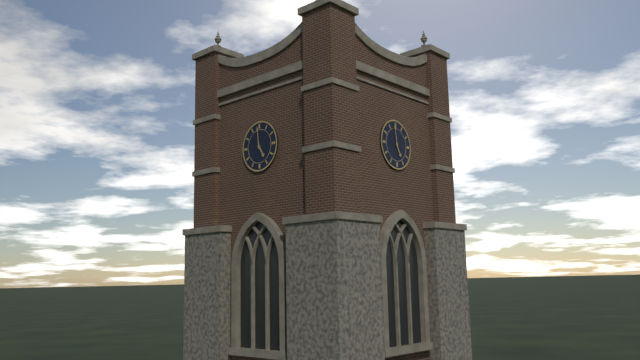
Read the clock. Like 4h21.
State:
4h59
